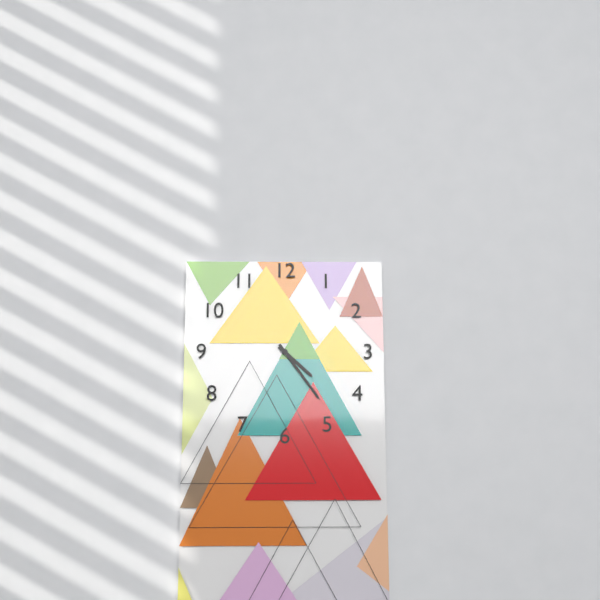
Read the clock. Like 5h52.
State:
4h24
